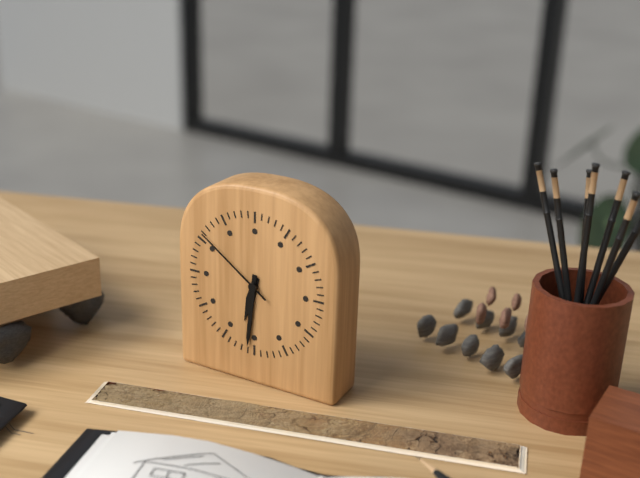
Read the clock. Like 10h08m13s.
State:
6h31m51s
